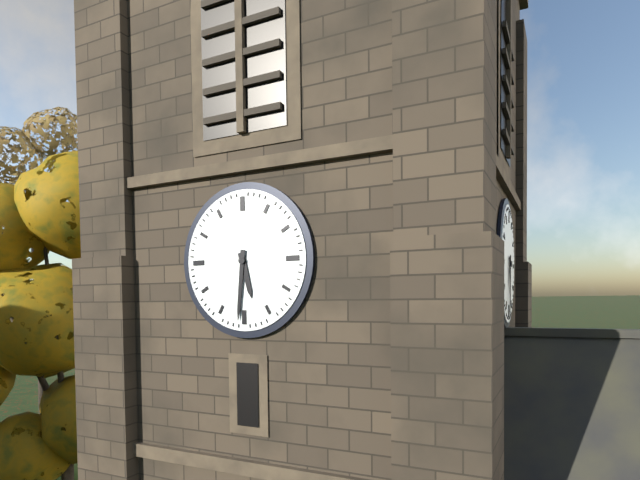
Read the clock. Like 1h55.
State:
5h31
